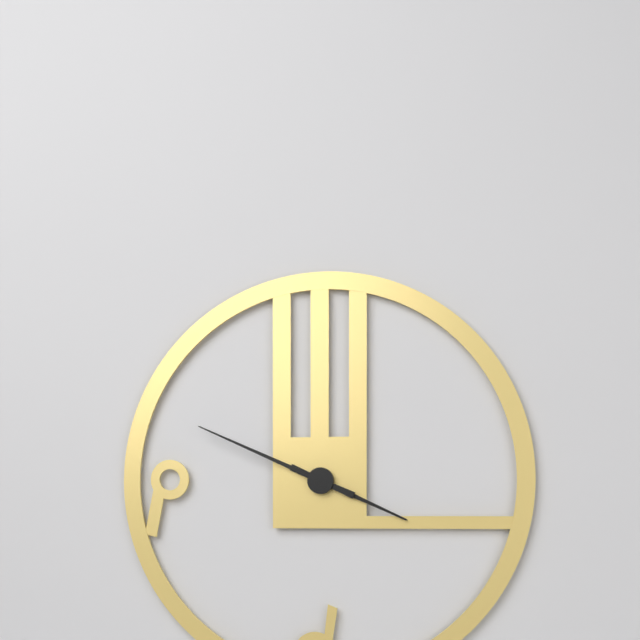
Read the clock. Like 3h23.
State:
3h49
